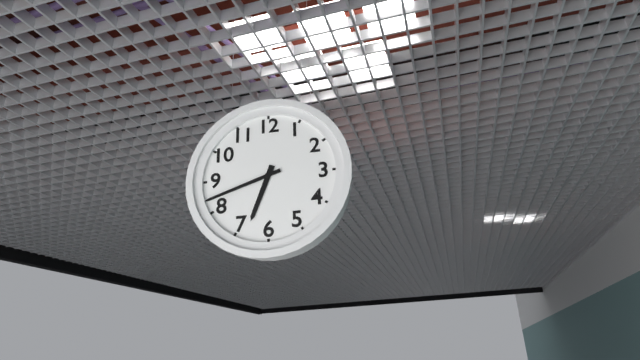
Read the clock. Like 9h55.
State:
6h42
